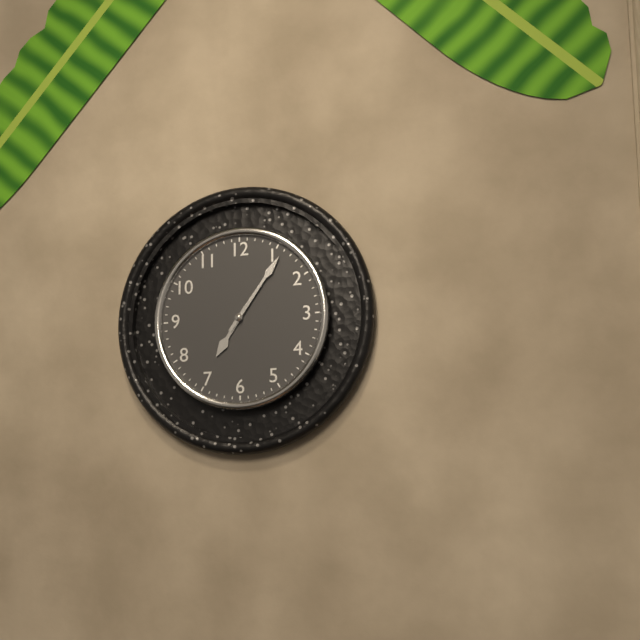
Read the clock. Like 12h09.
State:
7h06
